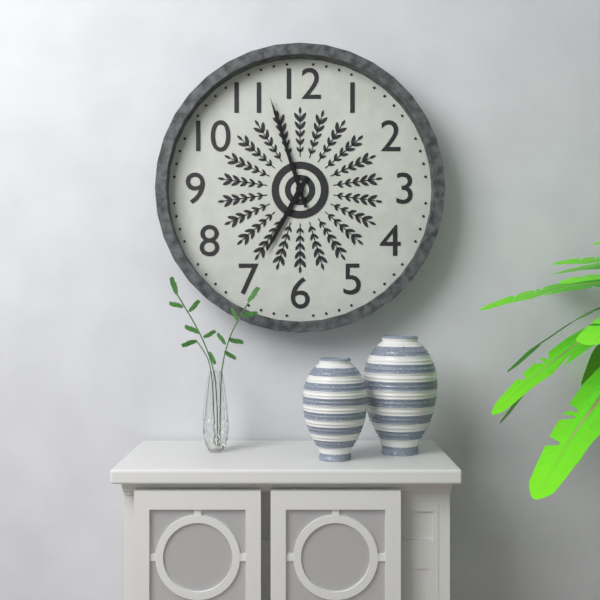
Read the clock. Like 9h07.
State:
6h57
